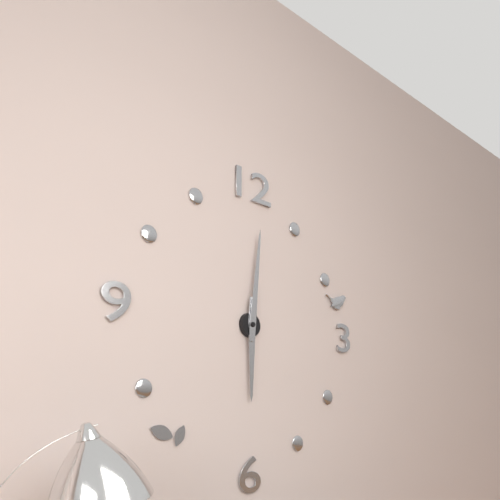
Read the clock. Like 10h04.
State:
6h01
